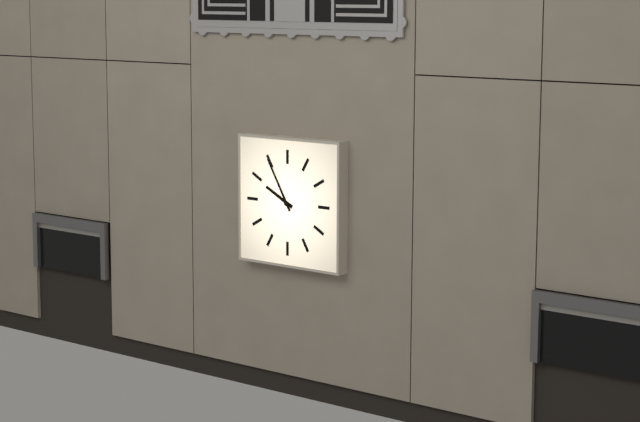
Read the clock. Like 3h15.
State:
9h55
